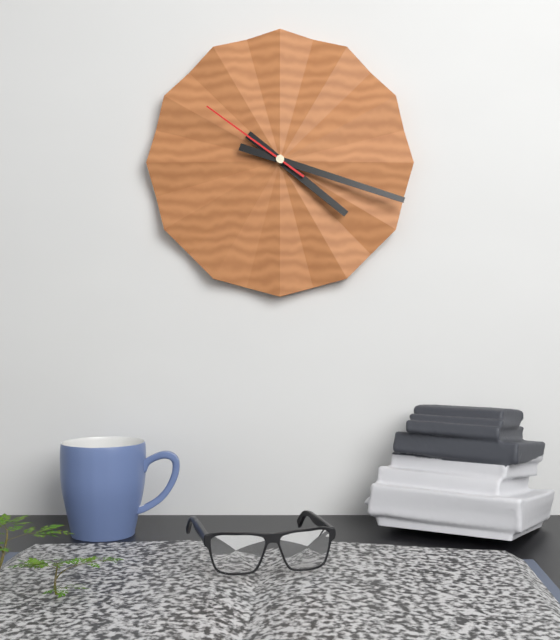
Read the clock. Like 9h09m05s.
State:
4h18m51s
